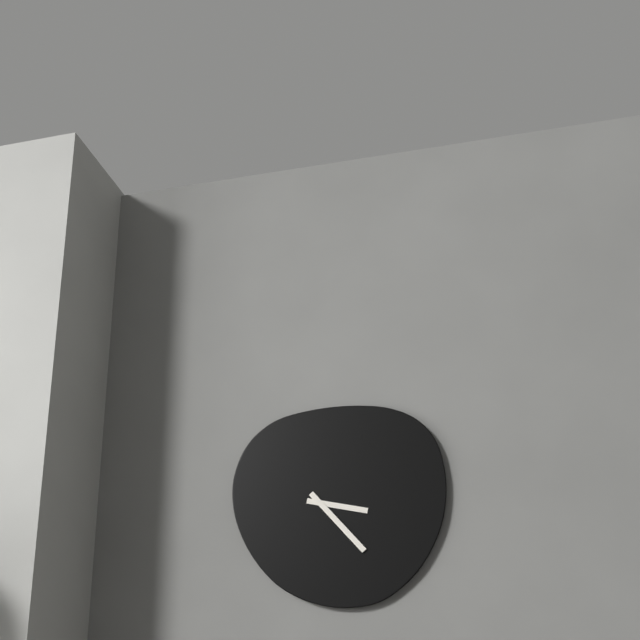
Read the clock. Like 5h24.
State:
3h23
